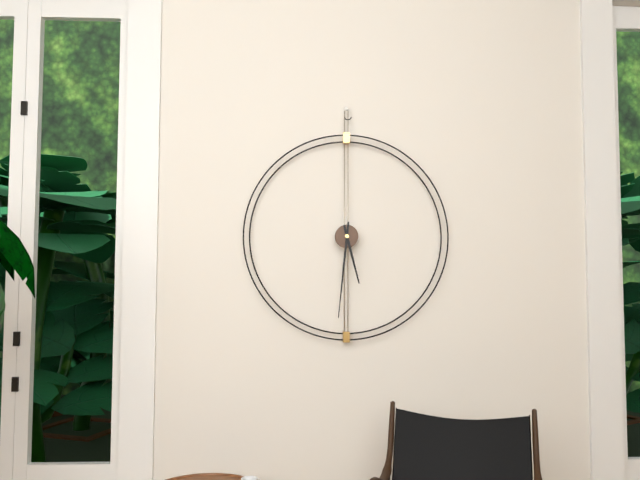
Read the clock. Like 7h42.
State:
5h31
